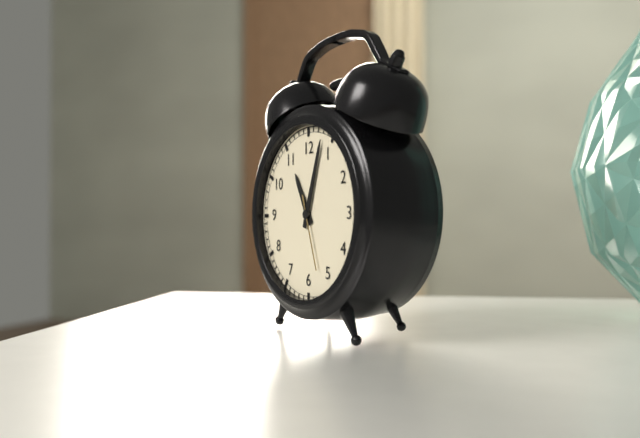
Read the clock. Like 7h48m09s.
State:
11h03m27s
